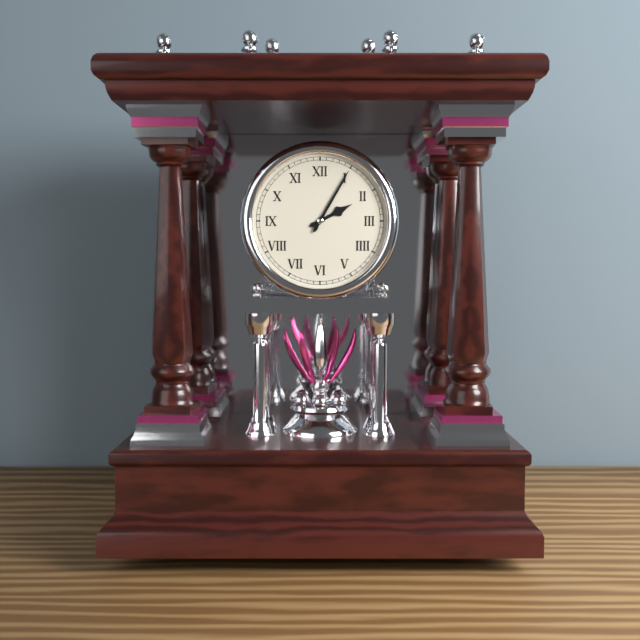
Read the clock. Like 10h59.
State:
2h05
